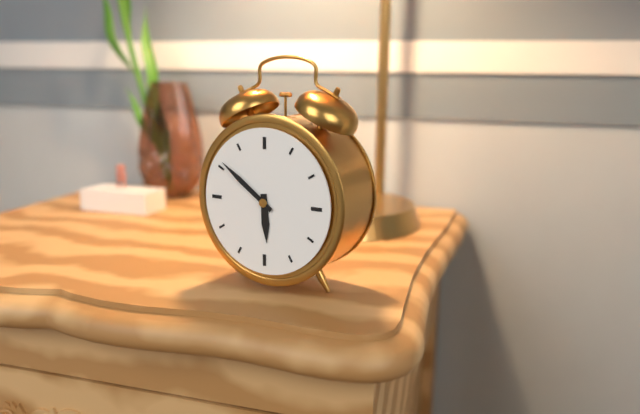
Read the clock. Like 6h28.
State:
5h51
